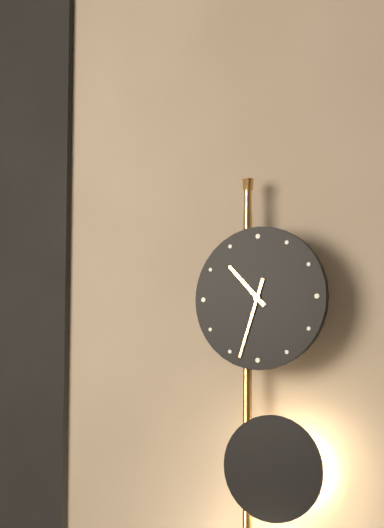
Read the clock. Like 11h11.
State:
10h33
